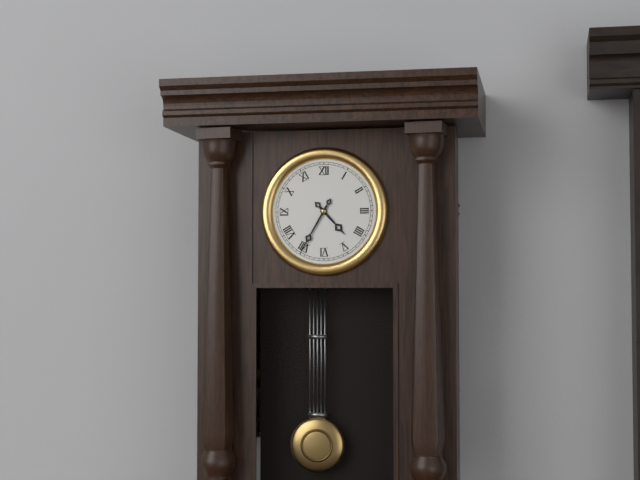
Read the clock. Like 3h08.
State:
4h35
